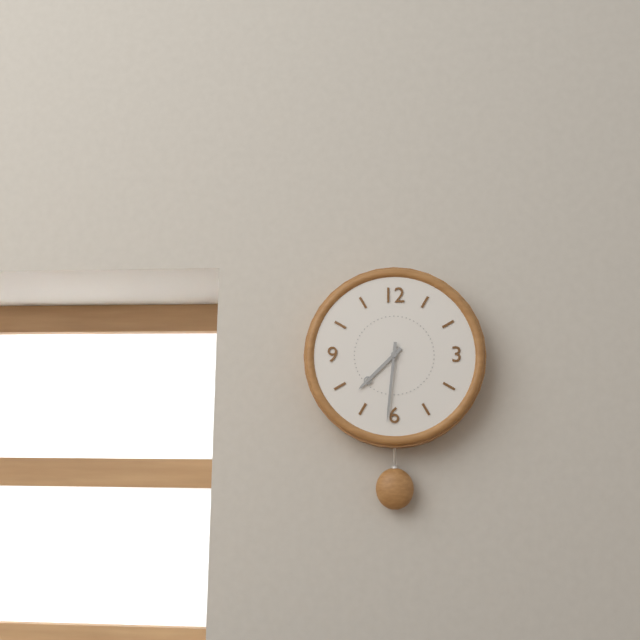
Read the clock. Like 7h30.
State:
7h31
